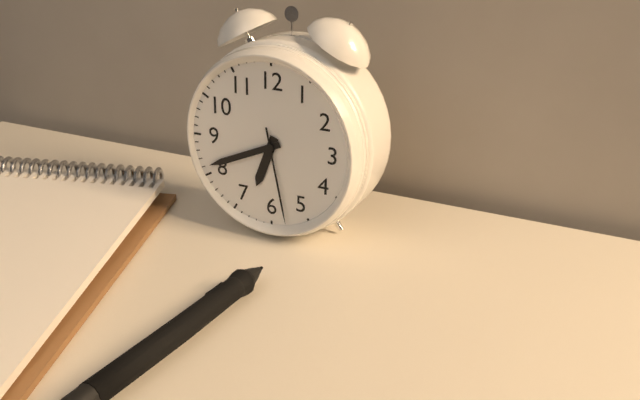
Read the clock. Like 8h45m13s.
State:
6h41m28s
